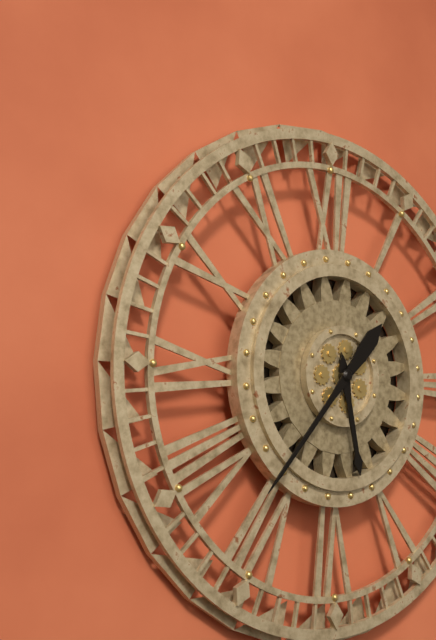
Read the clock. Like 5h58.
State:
5h37
